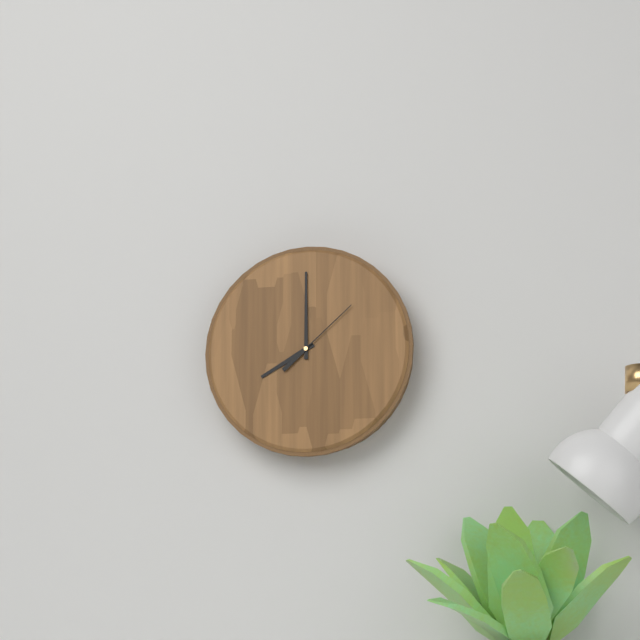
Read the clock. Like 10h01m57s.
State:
8h00m08s
